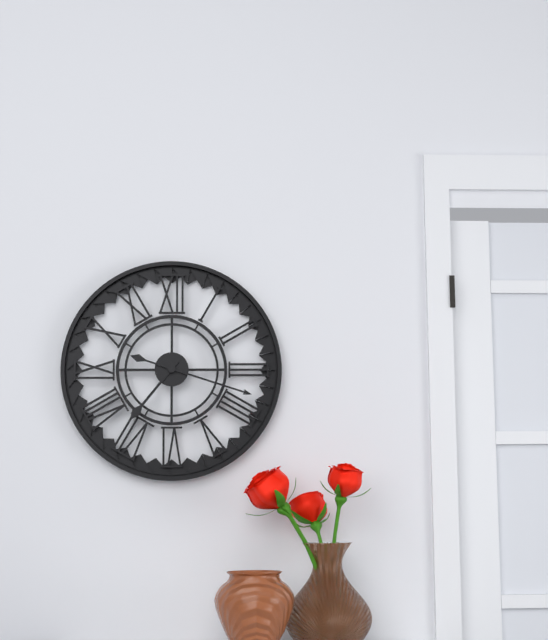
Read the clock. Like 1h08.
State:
7h18
